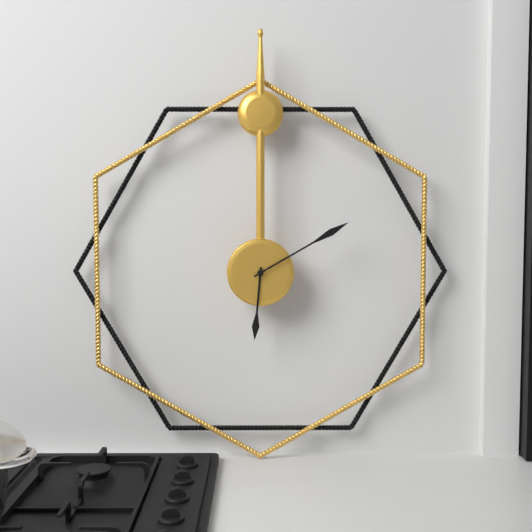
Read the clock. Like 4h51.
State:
6h10
